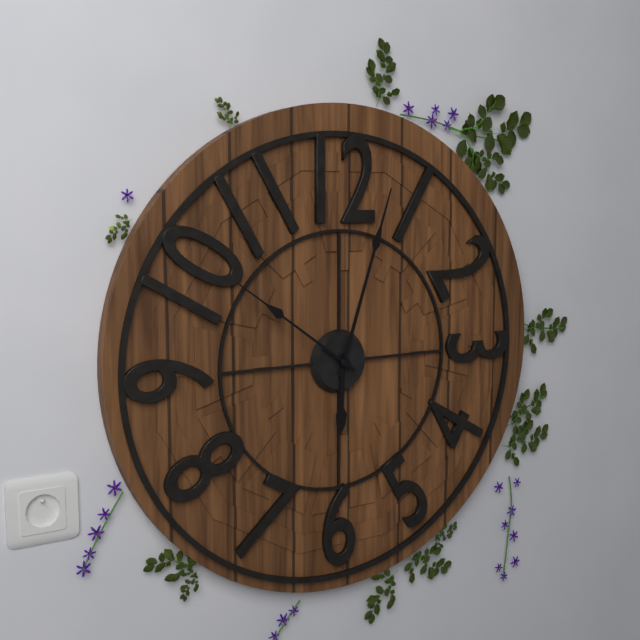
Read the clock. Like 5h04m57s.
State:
6h03m51s
